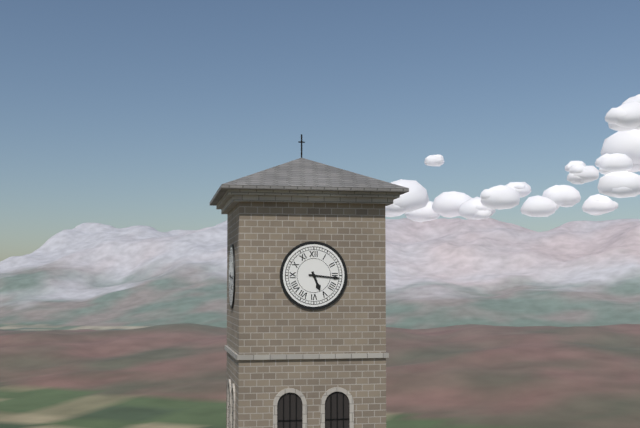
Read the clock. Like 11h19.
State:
5h16
